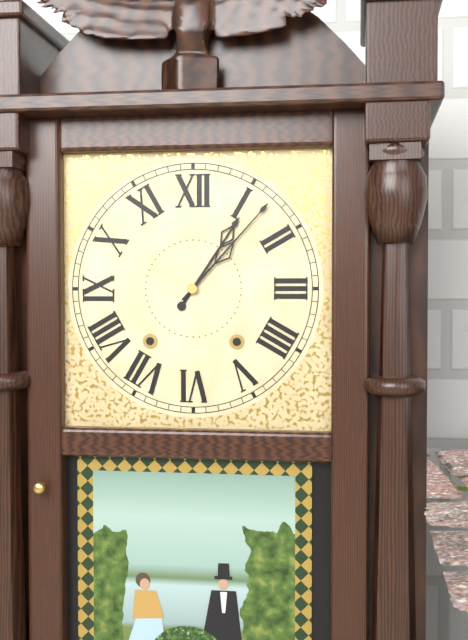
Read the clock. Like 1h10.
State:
1h07
